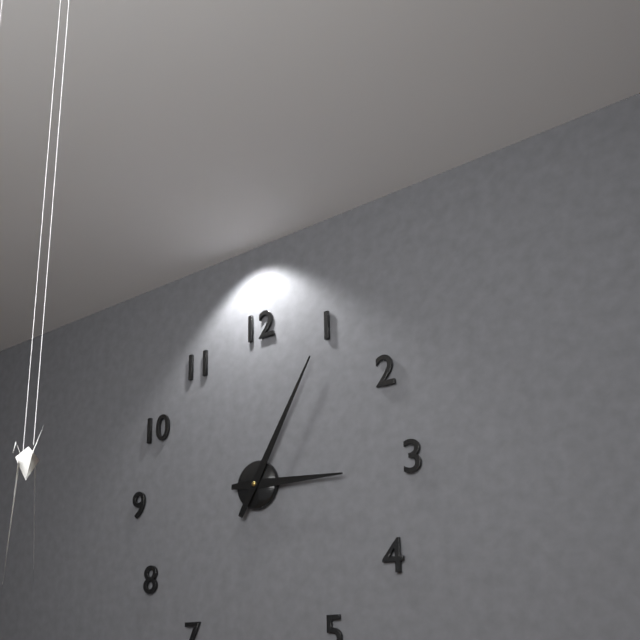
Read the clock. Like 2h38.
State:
3h05
